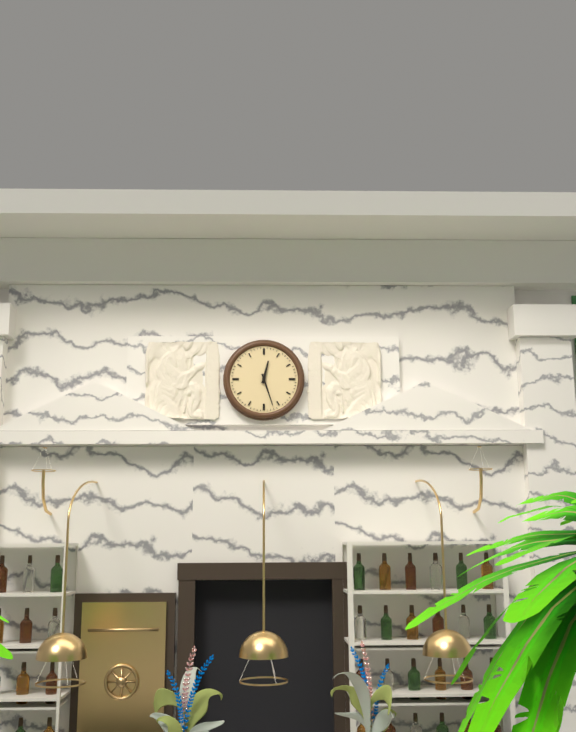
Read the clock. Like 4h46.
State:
12h27
